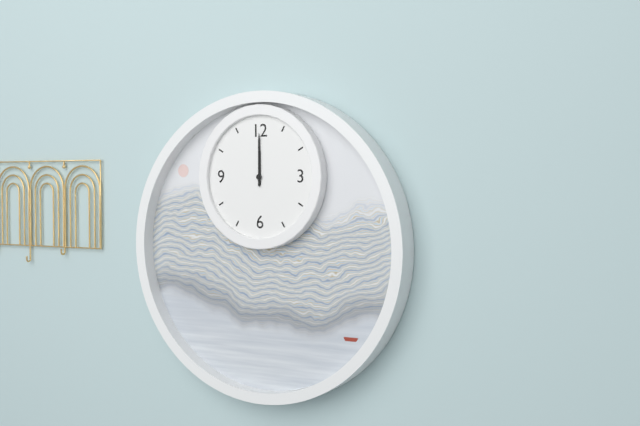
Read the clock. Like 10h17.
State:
12h00
